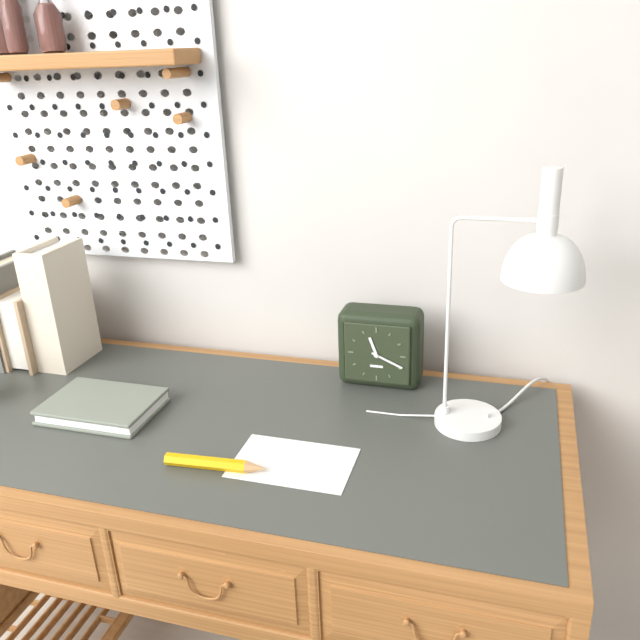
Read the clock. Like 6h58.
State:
11h19
